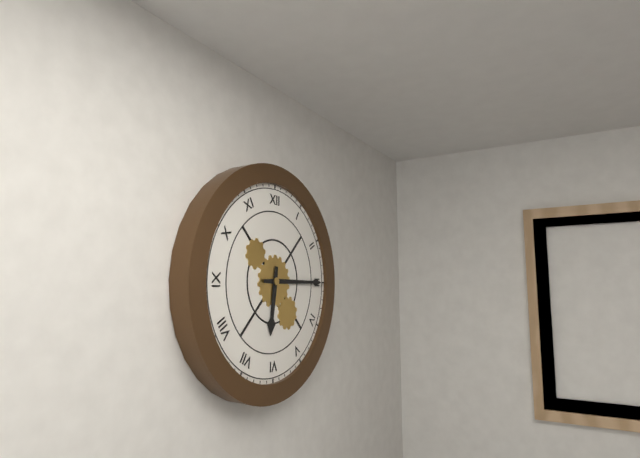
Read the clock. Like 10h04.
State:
6h15
